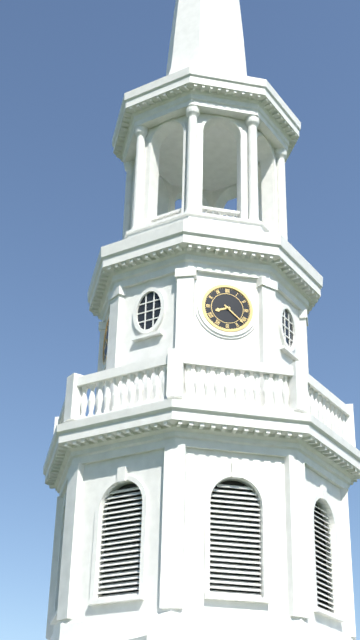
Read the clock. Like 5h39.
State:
8h22
